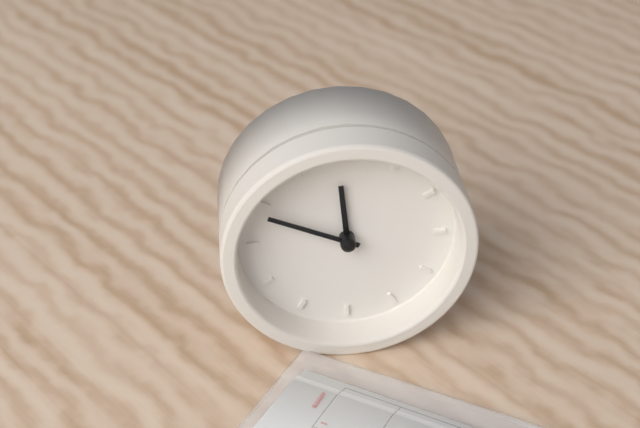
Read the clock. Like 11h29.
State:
11h49
